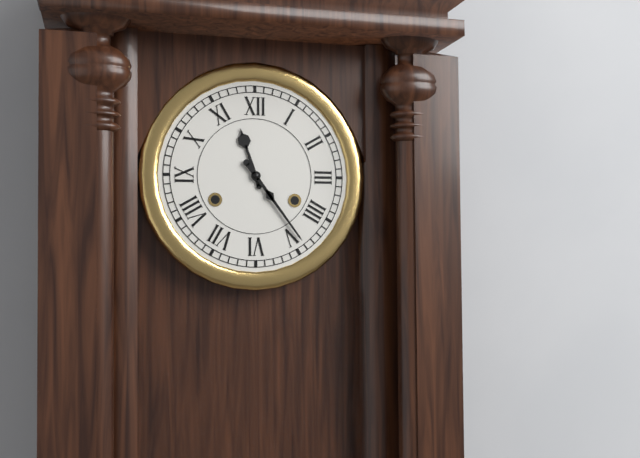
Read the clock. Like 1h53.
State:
11h24
